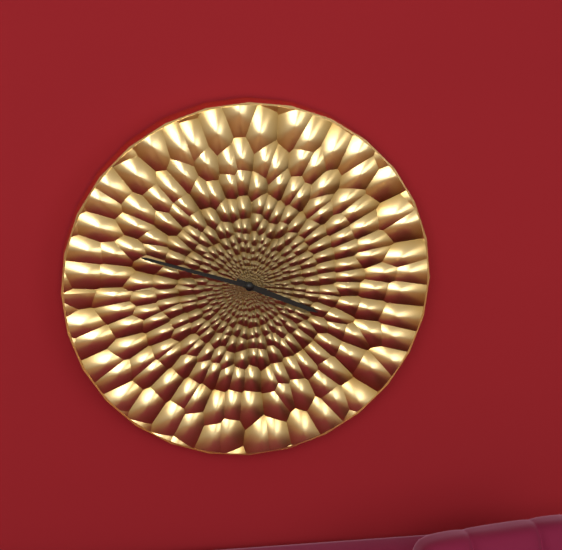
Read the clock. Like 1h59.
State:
3h48
